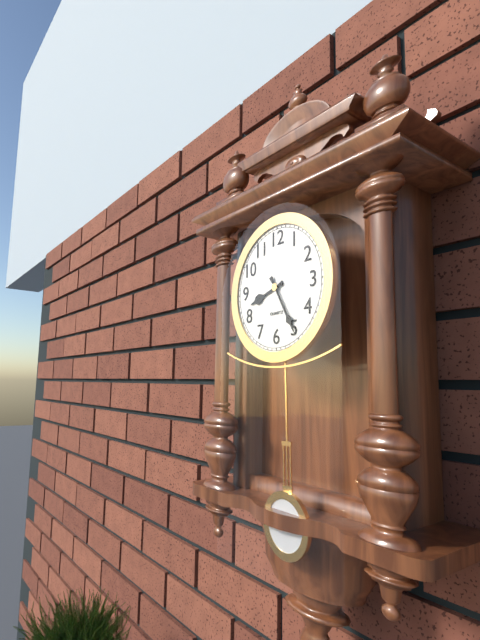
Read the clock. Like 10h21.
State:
8h25
